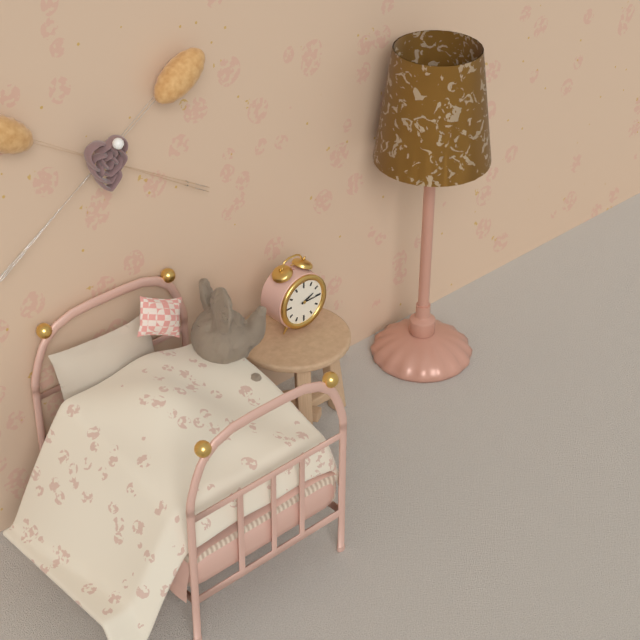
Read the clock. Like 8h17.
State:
2h15
